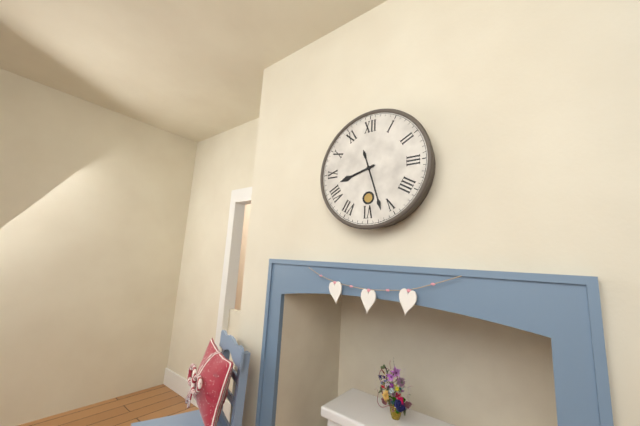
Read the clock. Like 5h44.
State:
8h27
